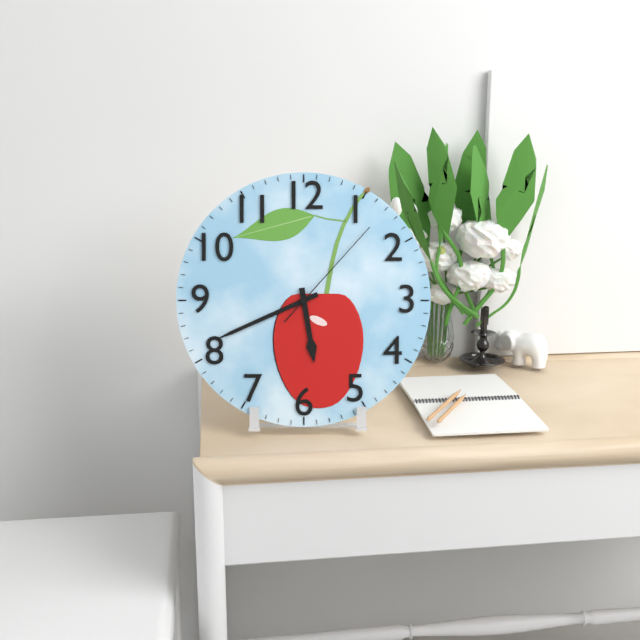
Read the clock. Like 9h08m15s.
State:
5h41m07s
